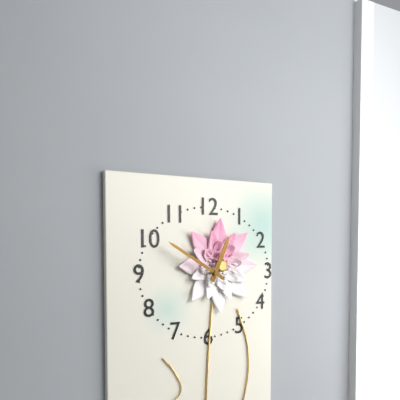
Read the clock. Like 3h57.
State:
12h50
